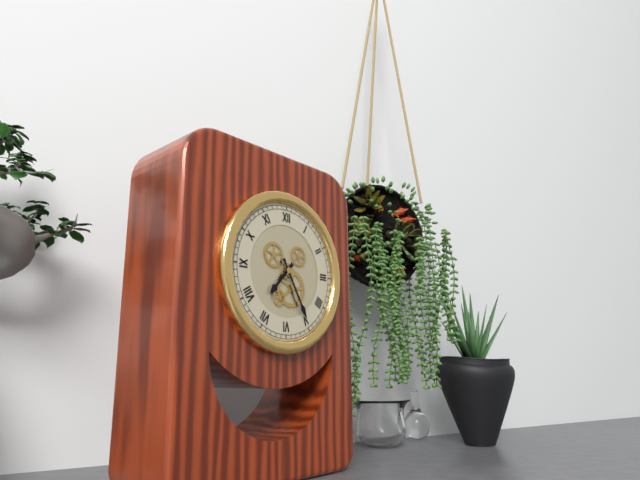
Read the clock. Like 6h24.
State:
7h25
